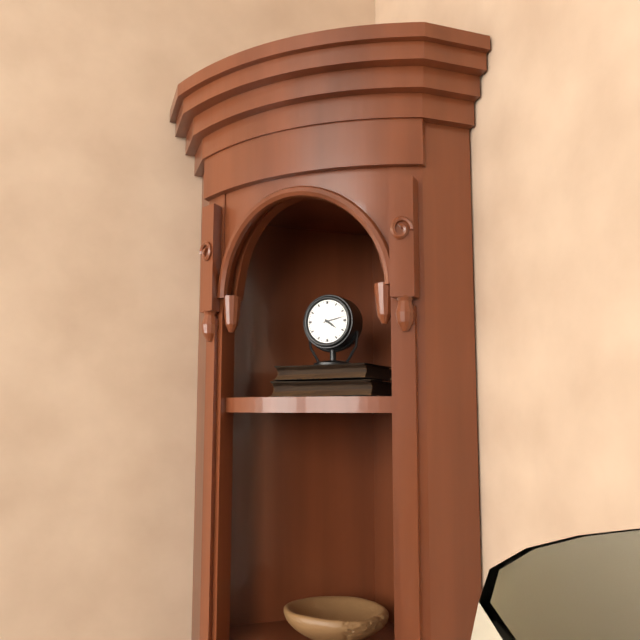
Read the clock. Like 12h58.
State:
4h13
